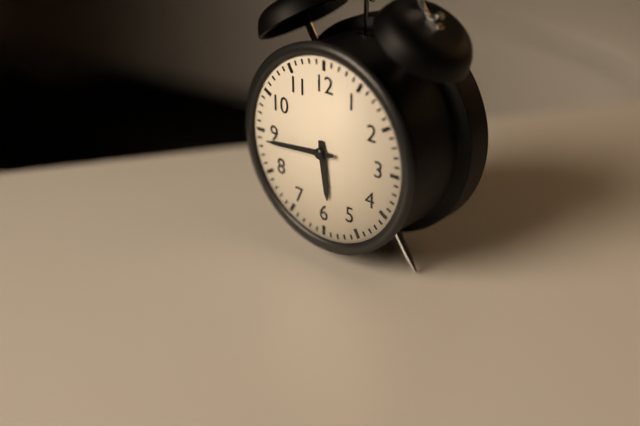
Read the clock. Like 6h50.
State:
5h44
